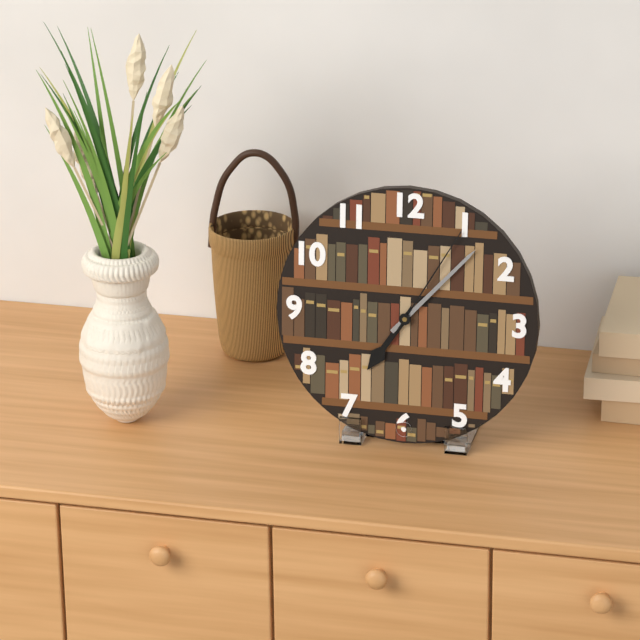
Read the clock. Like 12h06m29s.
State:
7h07m05s
